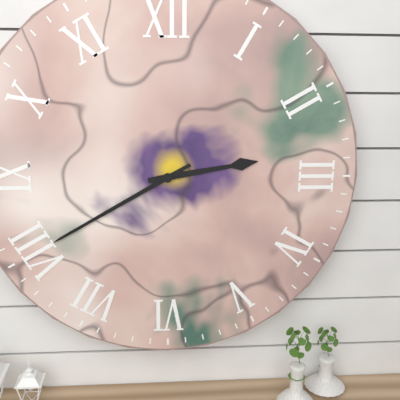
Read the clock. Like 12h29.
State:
2h40
